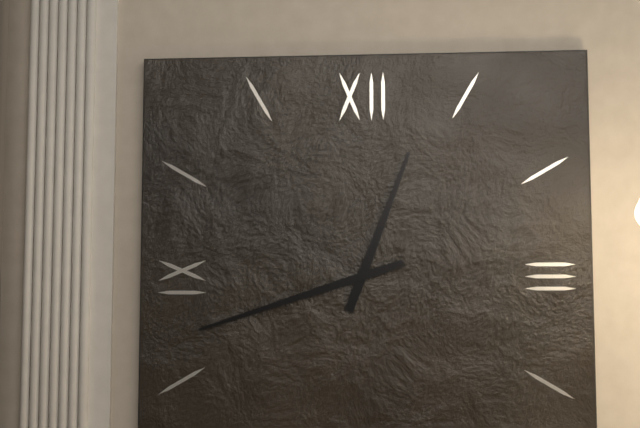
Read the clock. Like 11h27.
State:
12h42
